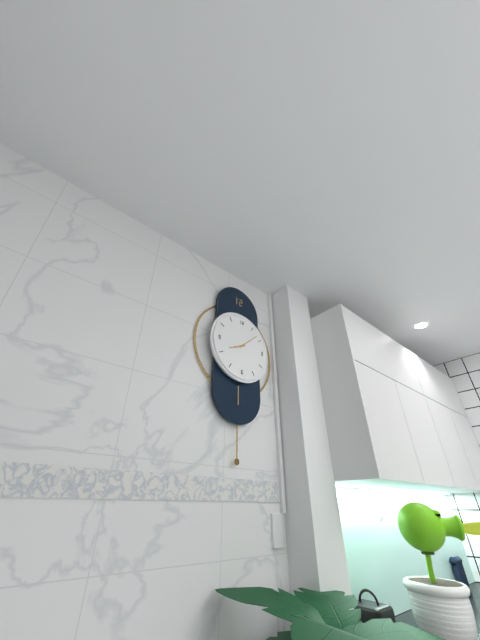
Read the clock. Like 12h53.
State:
8h08
